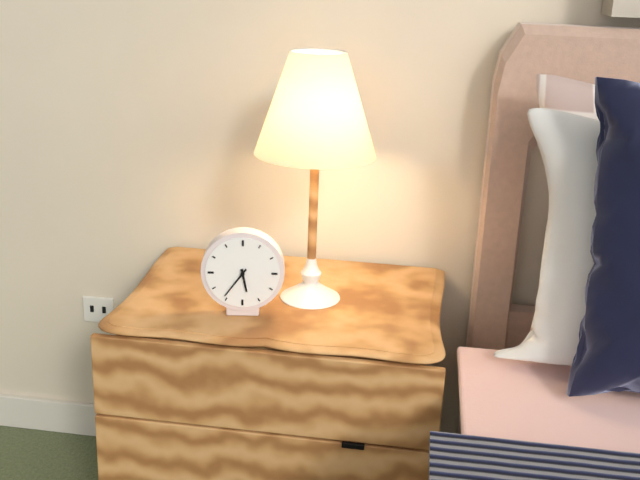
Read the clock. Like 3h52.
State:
5h36
